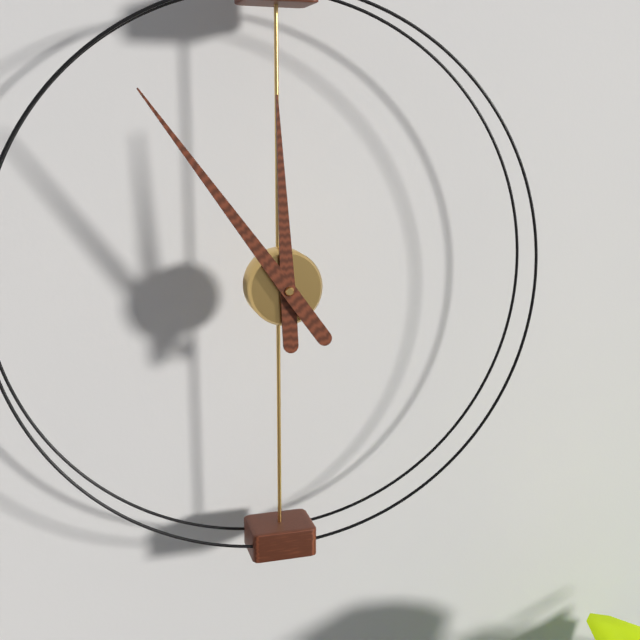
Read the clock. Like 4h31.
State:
11h54
